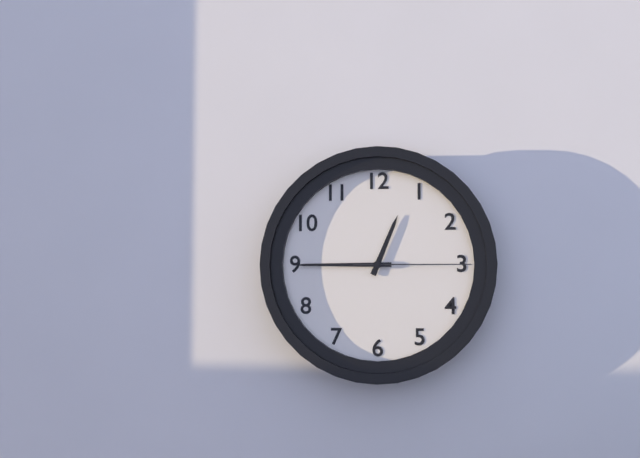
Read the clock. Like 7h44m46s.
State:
12h45m15s
